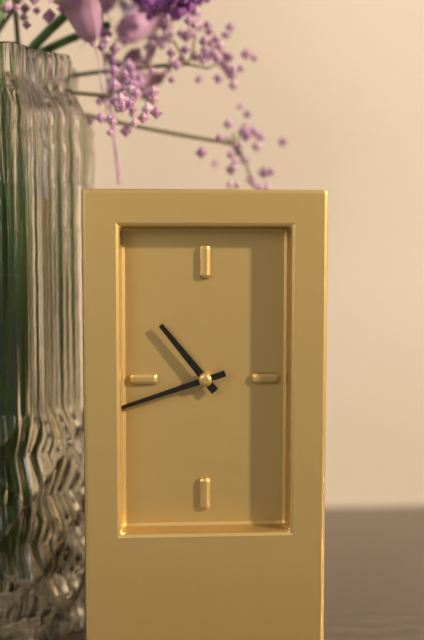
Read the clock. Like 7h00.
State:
10h42
